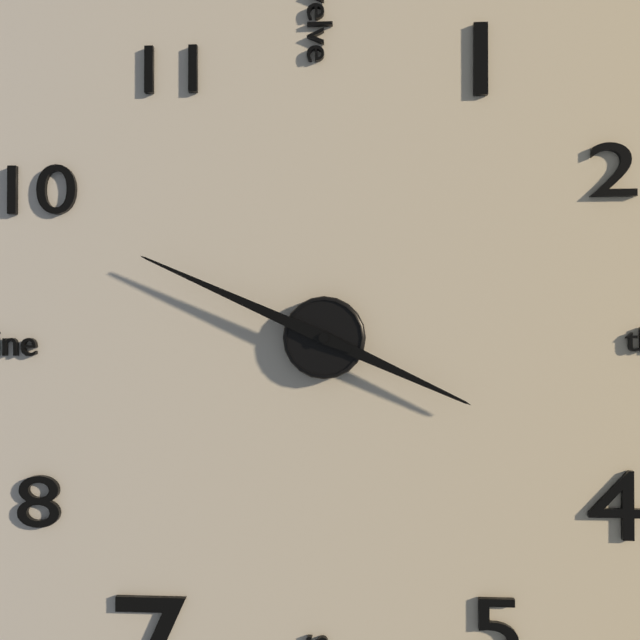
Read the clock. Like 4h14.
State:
3h49
